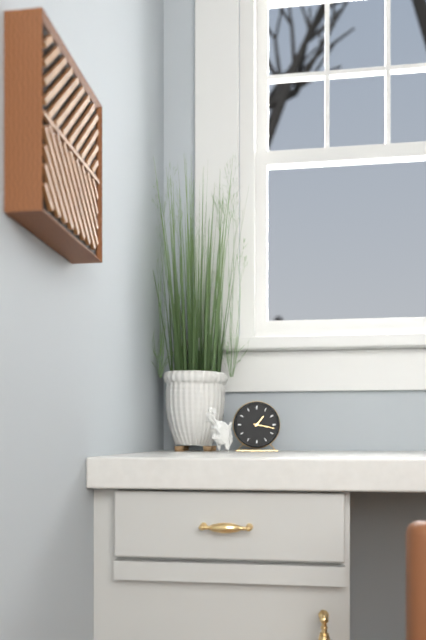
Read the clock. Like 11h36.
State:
1h17
